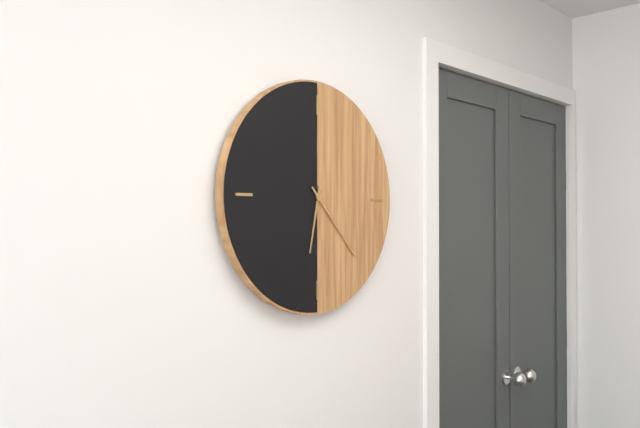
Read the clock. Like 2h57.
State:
6h23
